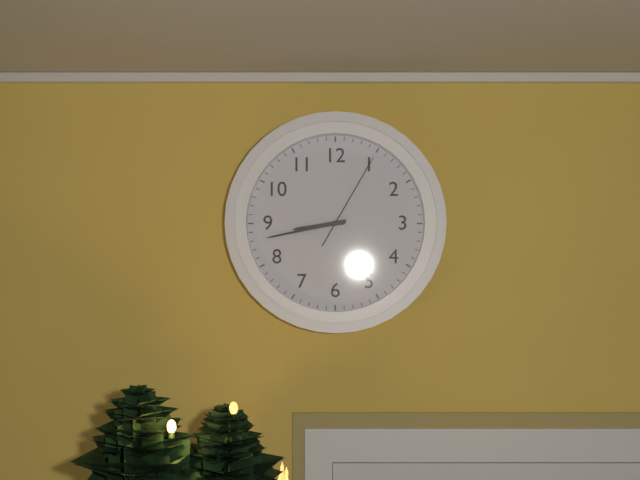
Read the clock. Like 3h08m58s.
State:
8h43m05s
